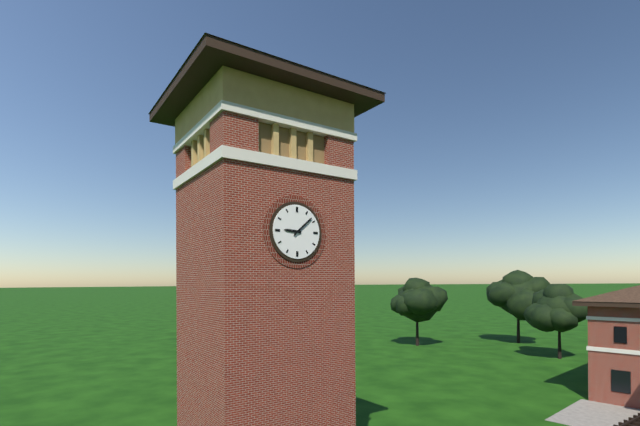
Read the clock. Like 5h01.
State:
9h08
